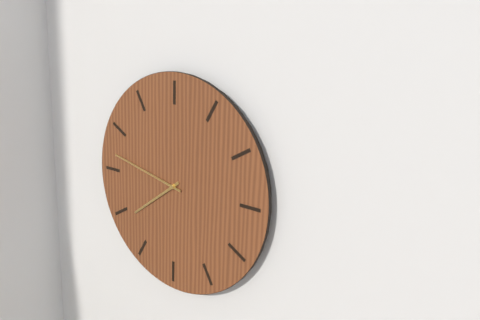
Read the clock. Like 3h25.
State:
7h47
